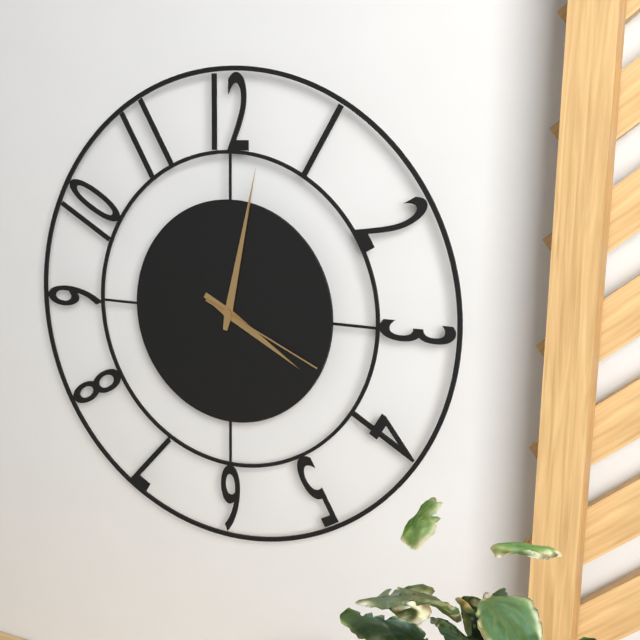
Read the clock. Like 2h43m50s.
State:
4h02m19s
